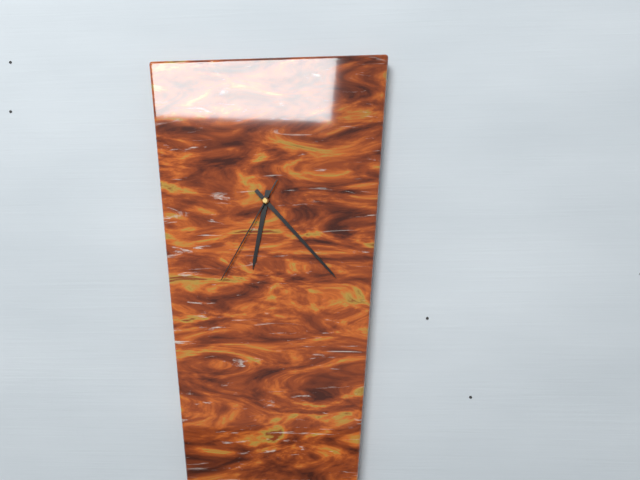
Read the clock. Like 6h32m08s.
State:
6h23m35s
